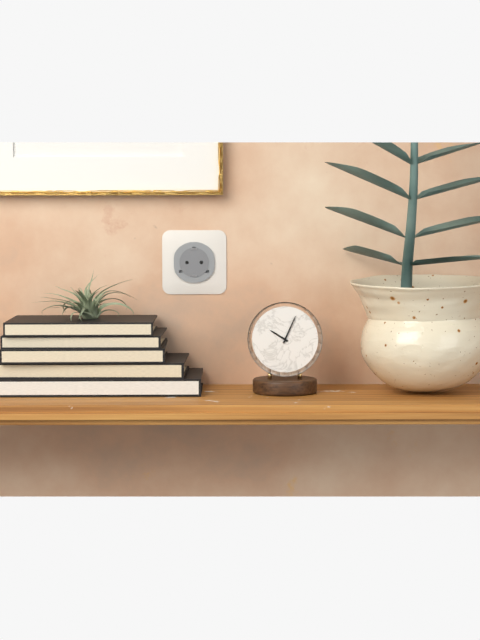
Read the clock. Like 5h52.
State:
10h04
